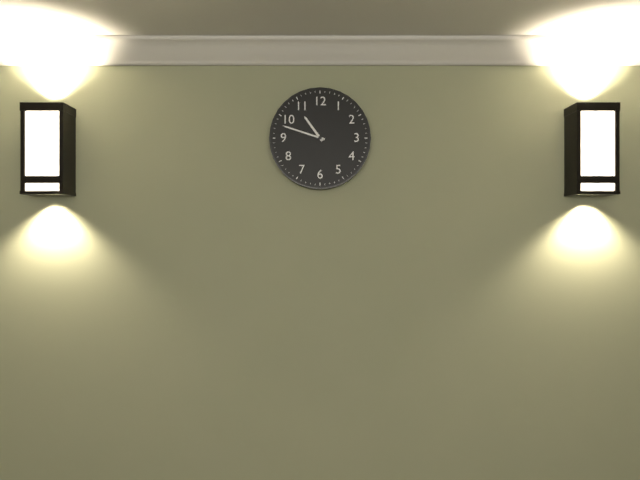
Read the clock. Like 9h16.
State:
10h48
